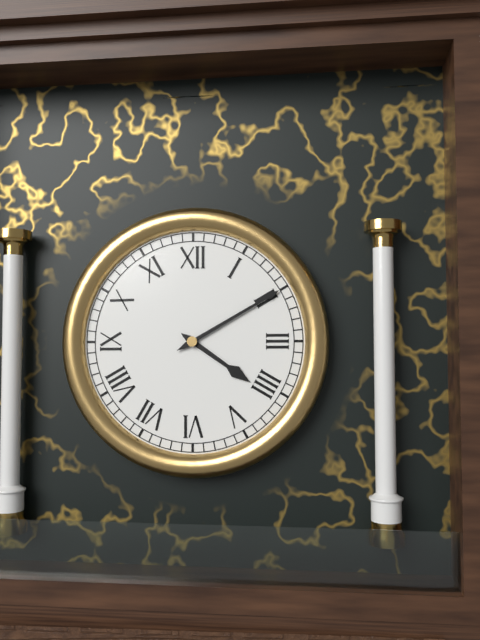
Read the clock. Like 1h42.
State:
4h10
